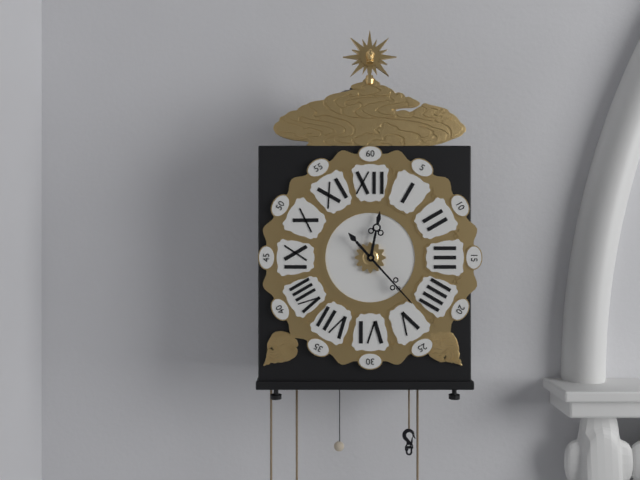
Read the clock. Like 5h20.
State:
12h23
